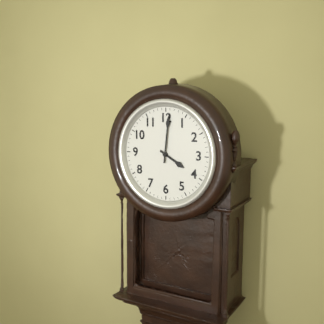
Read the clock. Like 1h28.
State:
4h01
